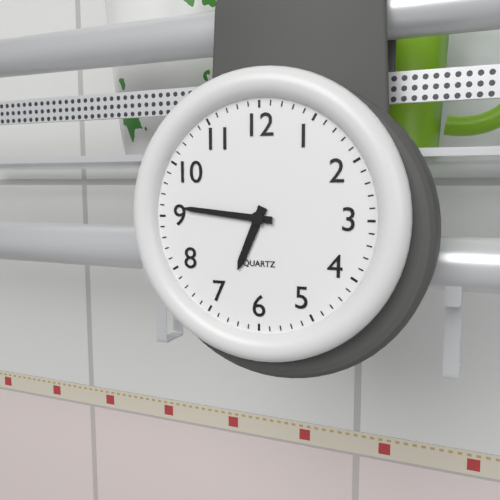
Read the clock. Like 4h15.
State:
6h46
